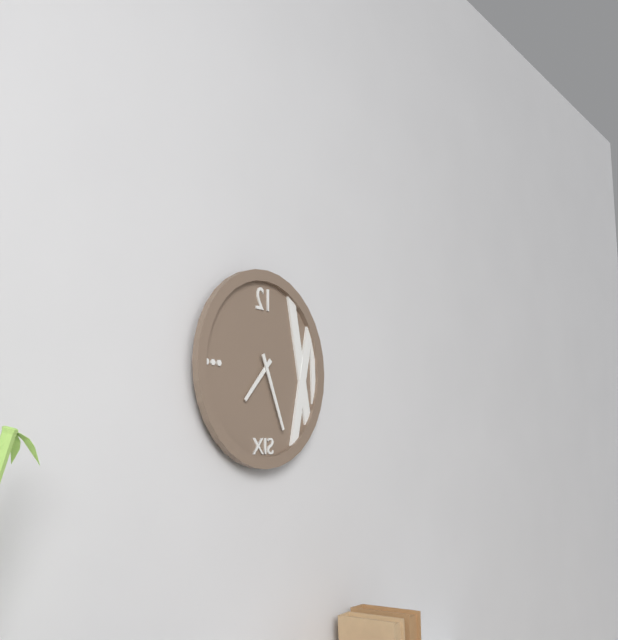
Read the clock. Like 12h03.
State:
7h26
